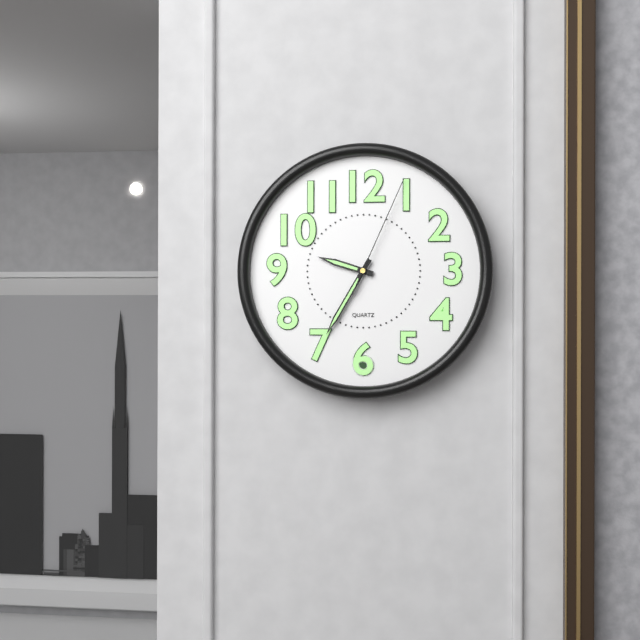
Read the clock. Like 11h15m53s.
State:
9h35m04s
